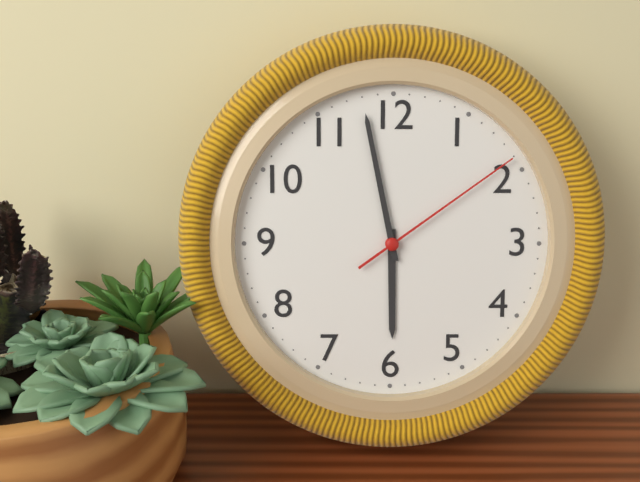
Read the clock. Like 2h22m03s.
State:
5h58m09s
